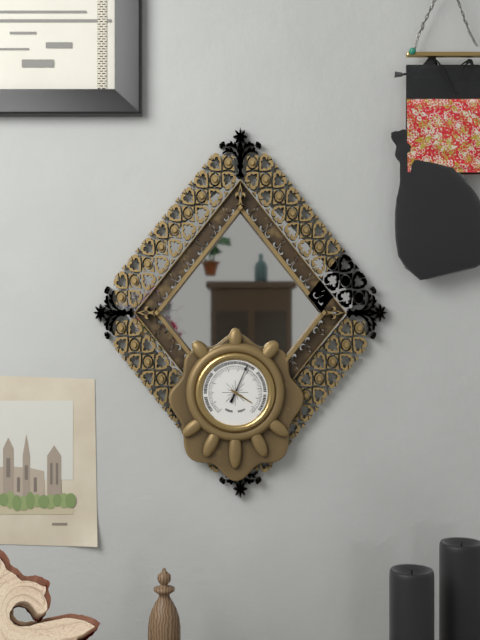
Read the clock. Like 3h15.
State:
4h04
